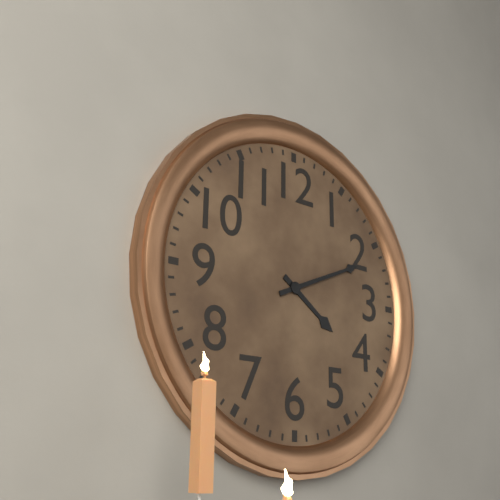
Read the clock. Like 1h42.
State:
4h11
